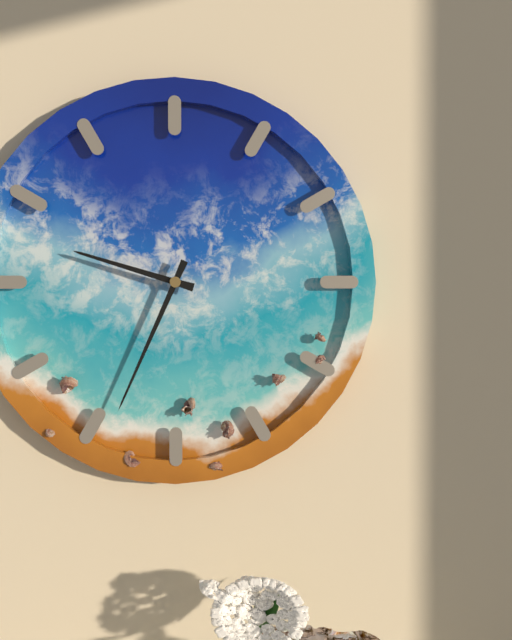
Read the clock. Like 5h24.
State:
9h34
